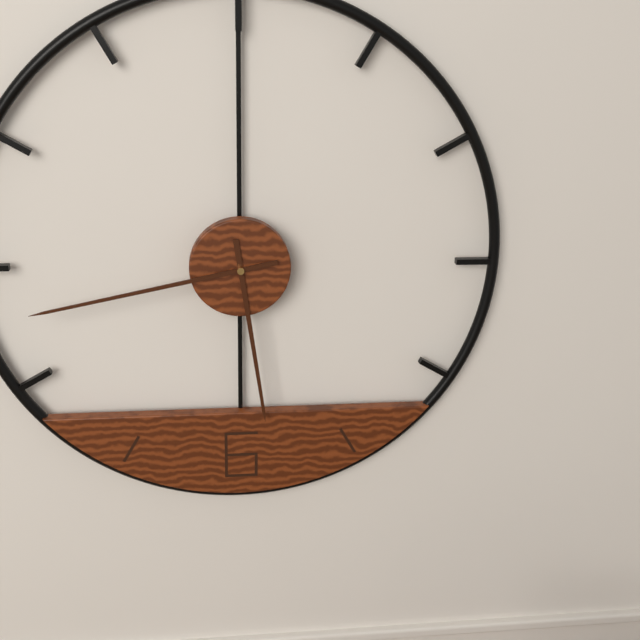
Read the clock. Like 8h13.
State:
5h43
